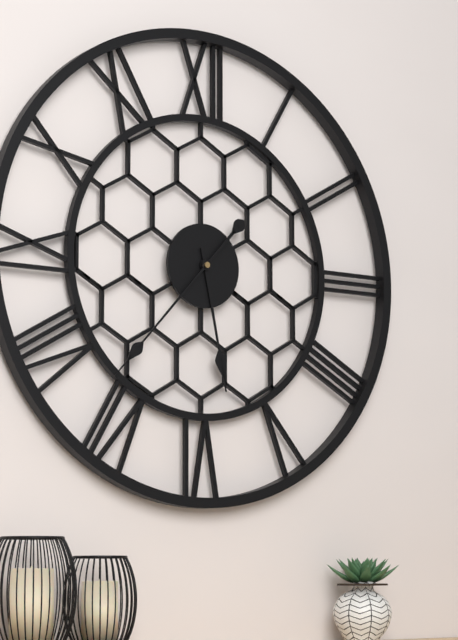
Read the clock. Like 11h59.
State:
5h37
